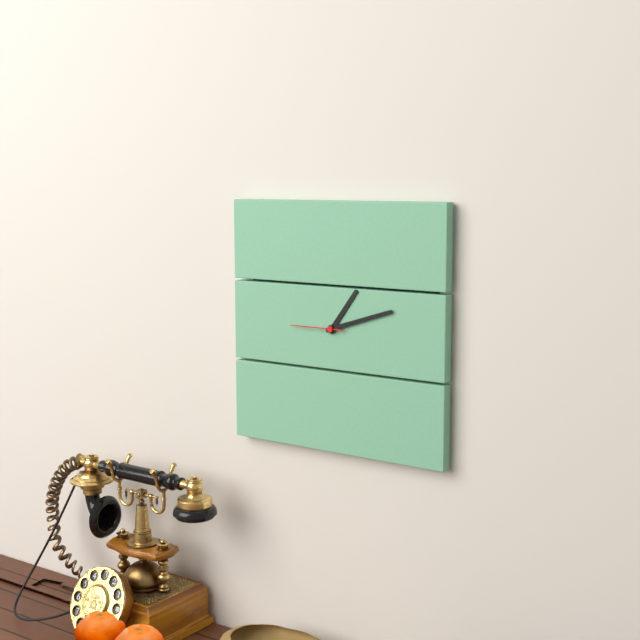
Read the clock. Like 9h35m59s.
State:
1h12m45s
